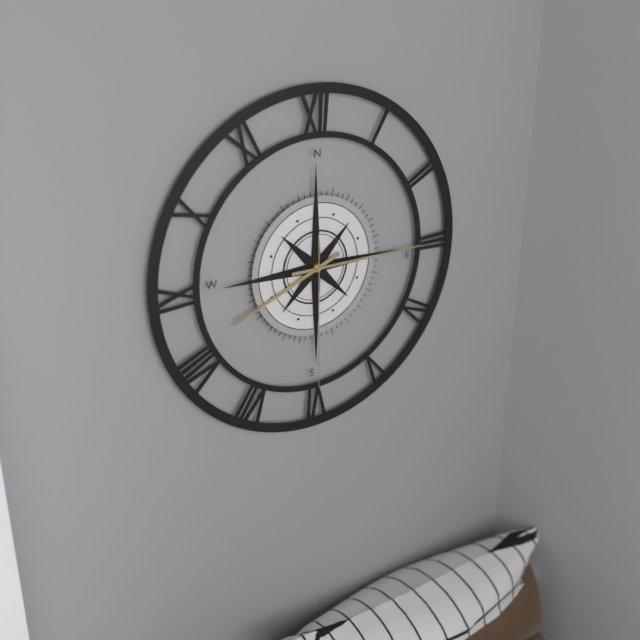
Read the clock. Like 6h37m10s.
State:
8h15m30s
